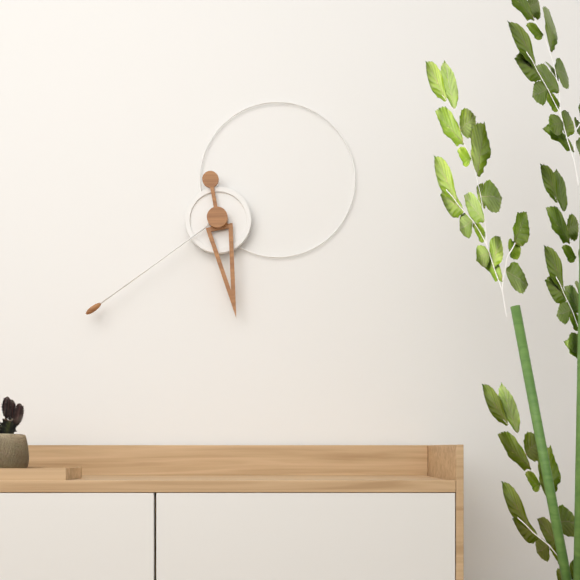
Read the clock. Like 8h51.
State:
5h39
